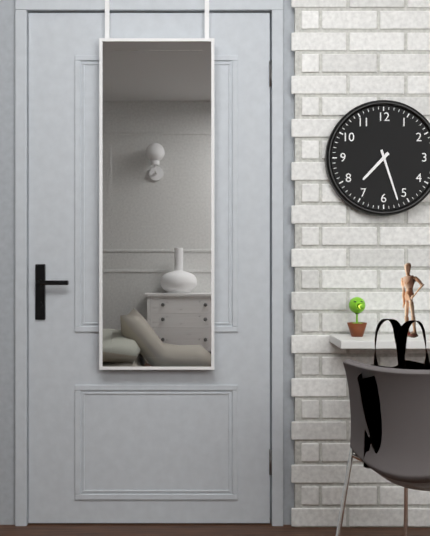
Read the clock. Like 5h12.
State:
7h27
